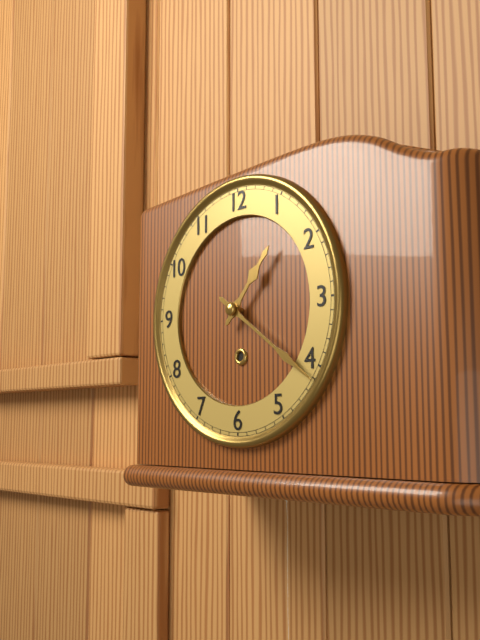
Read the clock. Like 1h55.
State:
1h21
